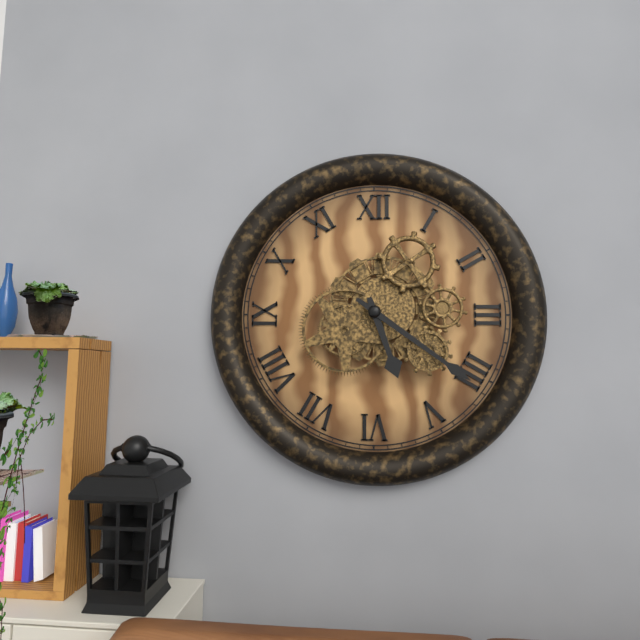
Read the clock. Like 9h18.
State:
5h21
